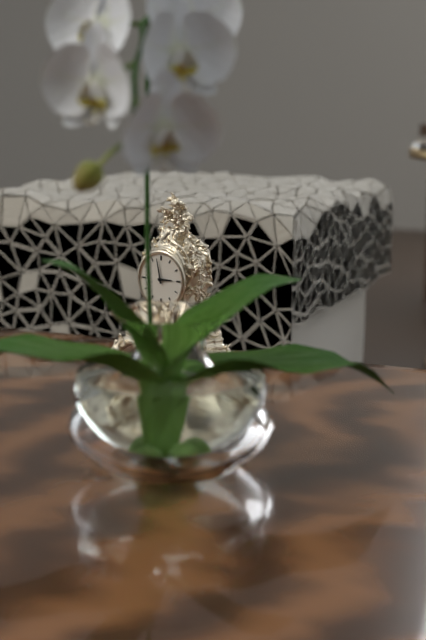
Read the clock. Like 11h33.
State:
2h58
